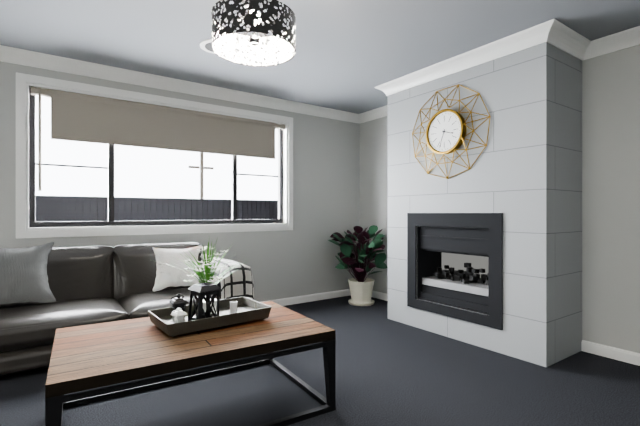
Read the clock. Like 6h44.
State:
3h33
